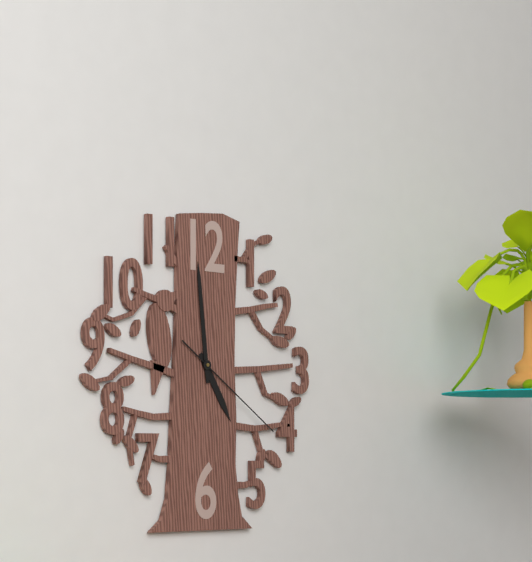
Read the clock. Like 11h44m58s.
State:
4h59m21s
